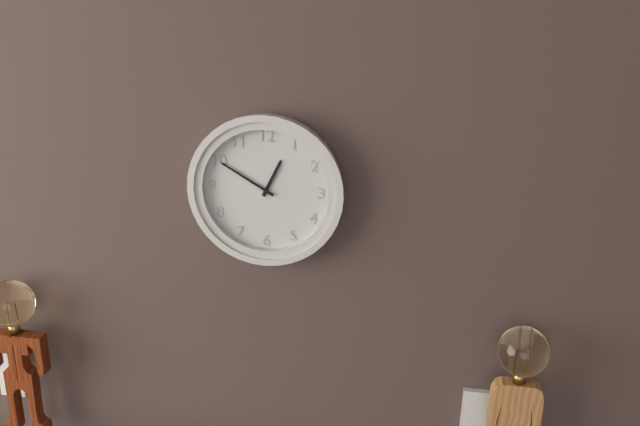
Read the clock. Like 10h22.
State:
12h50
